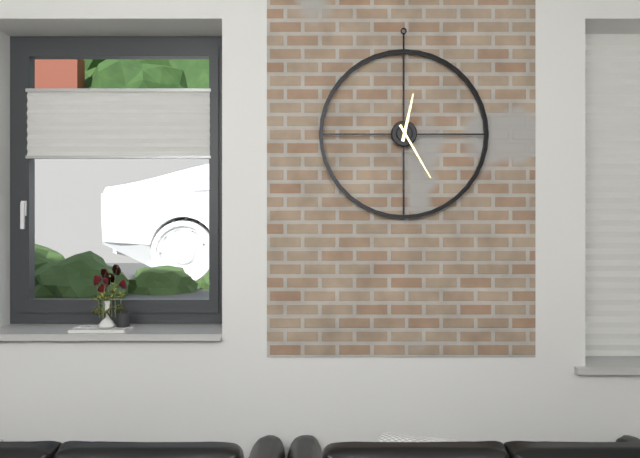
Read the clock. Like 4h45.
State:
12h25
